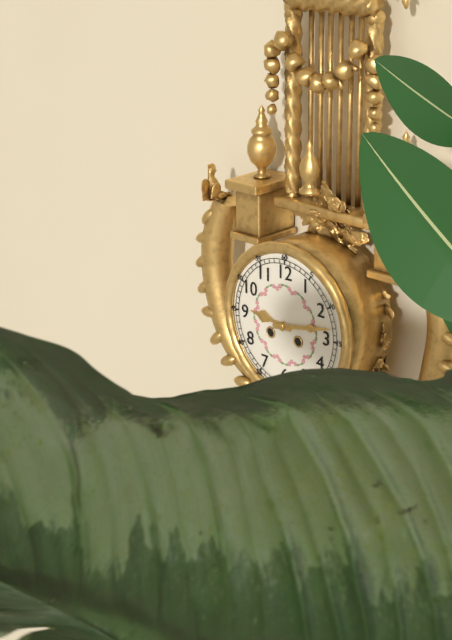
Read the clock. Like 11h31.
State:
9h13
